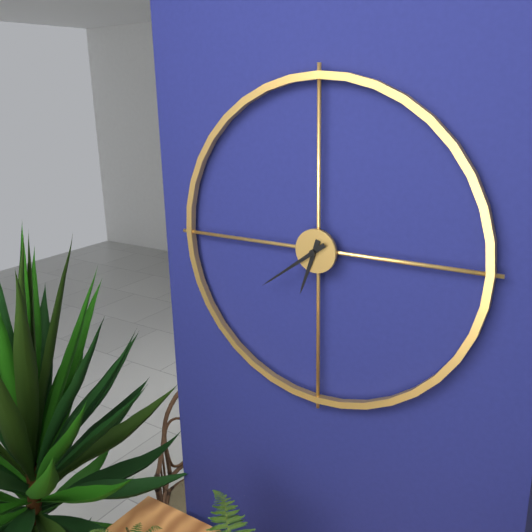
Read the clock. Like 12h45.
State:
6h39
